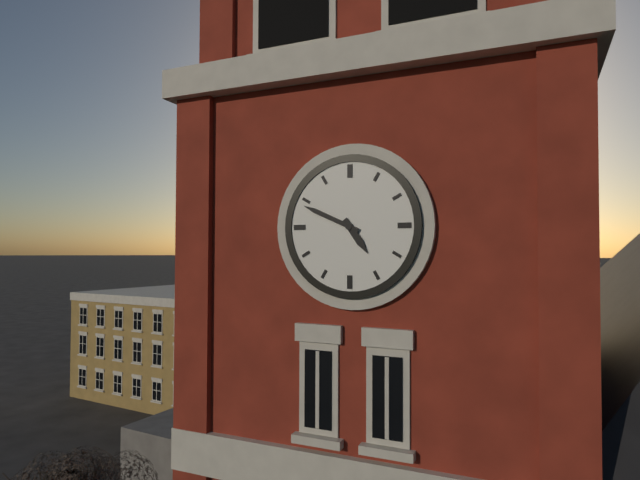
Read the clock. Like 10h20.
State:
4h49
